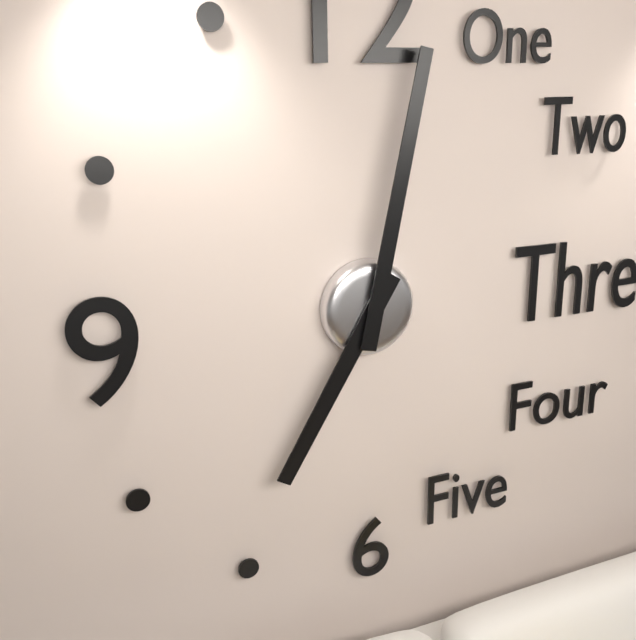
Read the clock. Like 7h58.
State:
7h02
